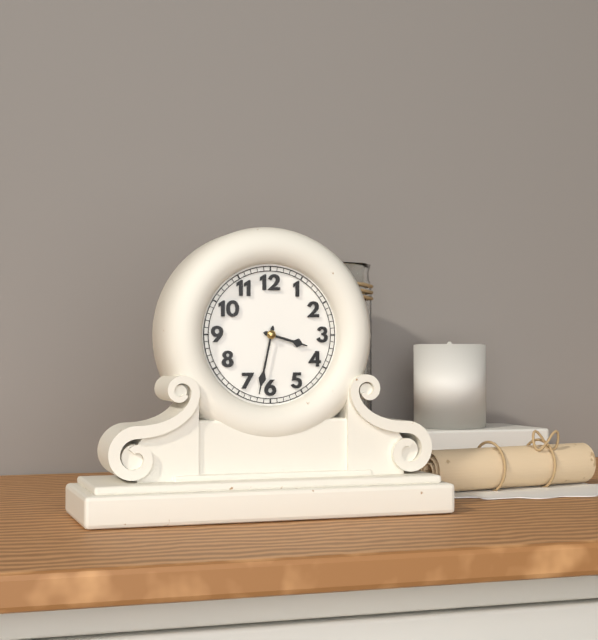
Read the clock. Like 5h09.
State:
3h32
